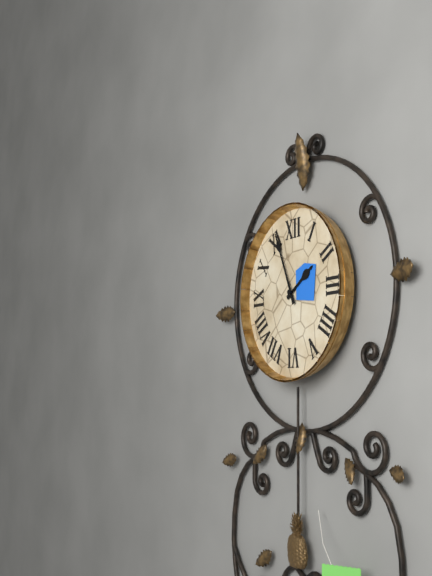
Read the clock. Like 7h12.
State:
1h56
